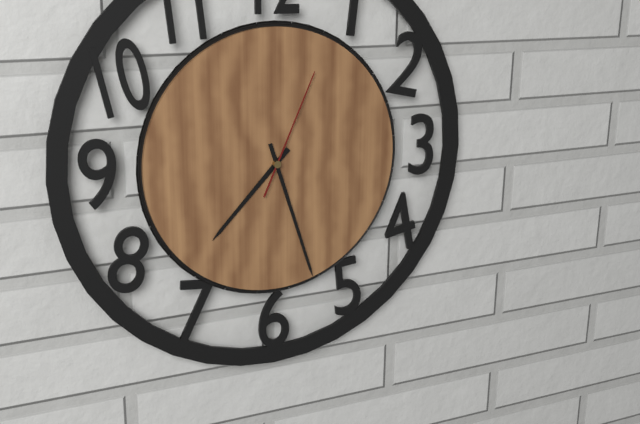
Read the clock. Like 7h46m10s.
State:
7h27m04s
